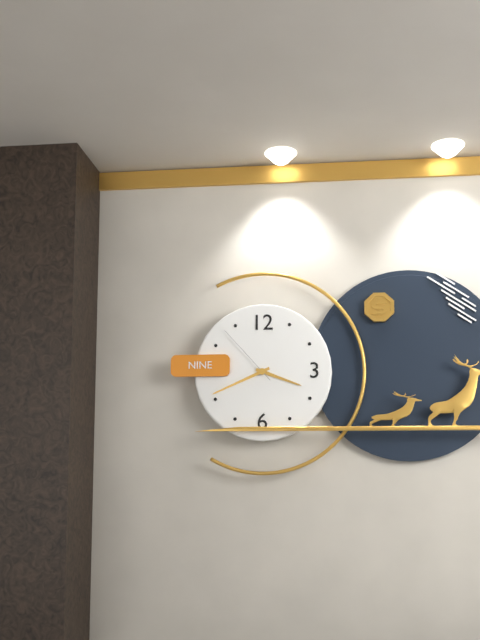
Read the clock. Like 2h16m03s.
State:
3h41m53s
